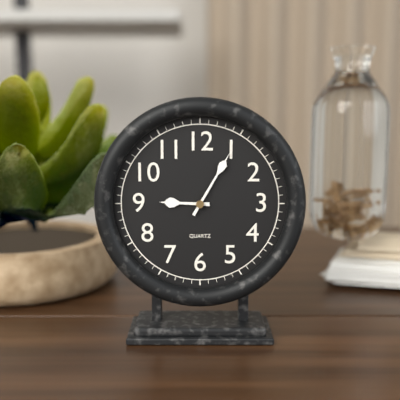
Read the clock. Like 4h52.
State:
9h05
